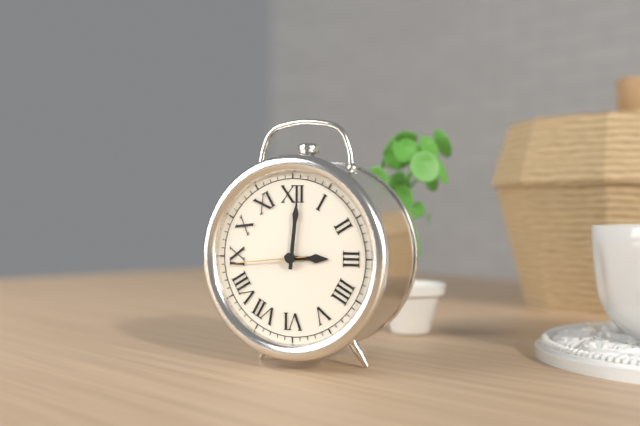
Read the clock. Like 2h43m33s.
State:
3h01m44s
